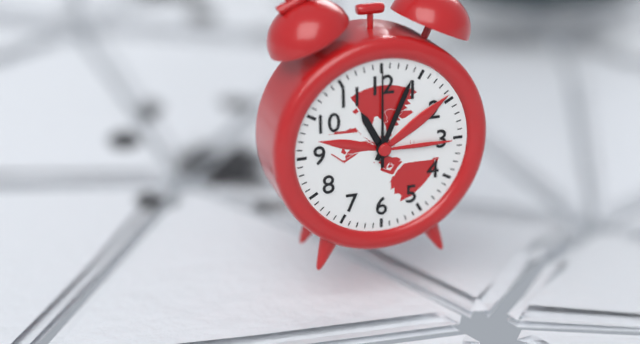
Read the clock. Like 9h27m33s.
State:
11h04m00s
